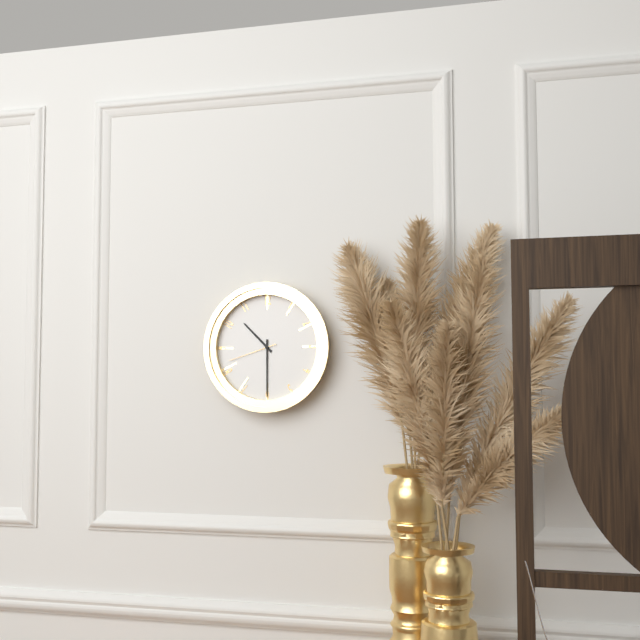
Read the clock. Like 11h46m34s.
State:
10h30m42s
